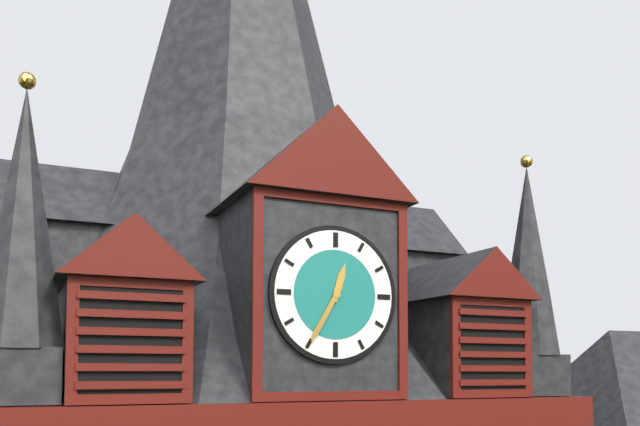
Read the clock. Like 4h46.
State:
12h35
